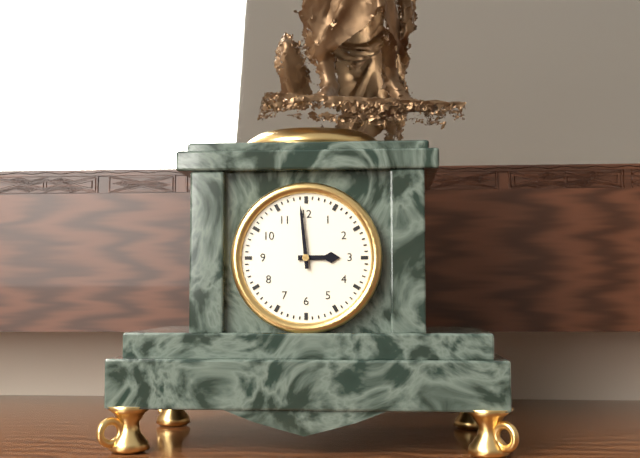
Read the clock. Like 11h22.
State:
2h59
